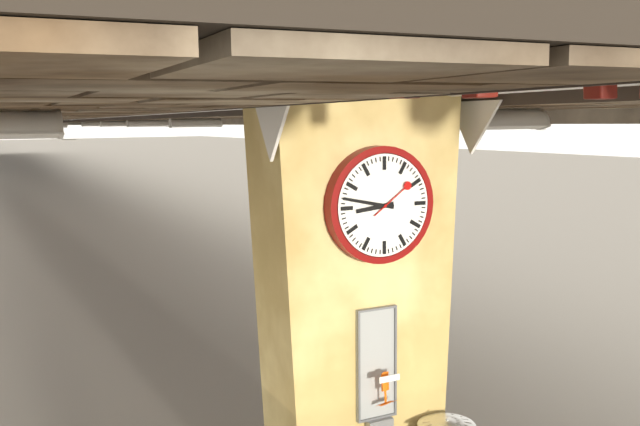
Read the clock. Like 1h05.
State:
8h47
